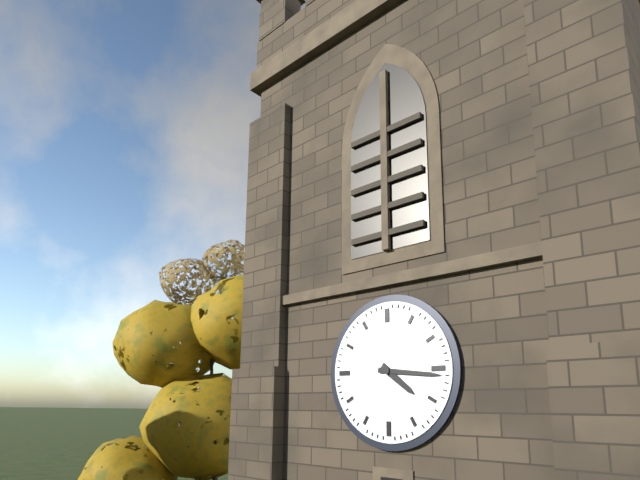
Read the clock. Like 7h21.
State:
4h16
